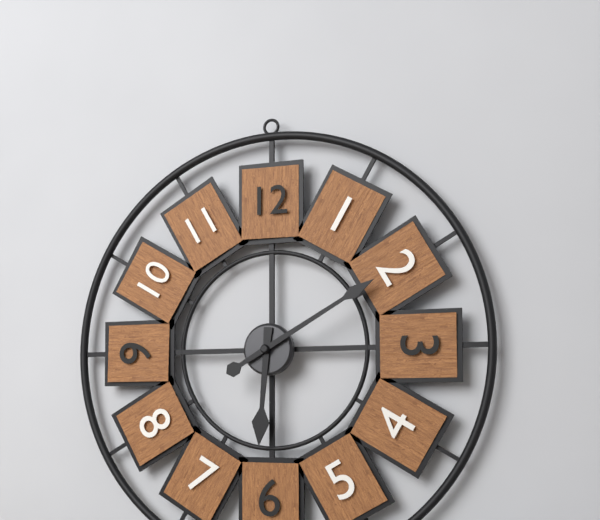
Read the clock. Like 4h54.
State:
6h10
